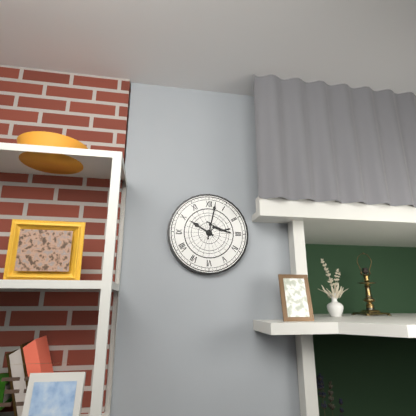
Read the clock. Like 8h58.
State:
10h02
